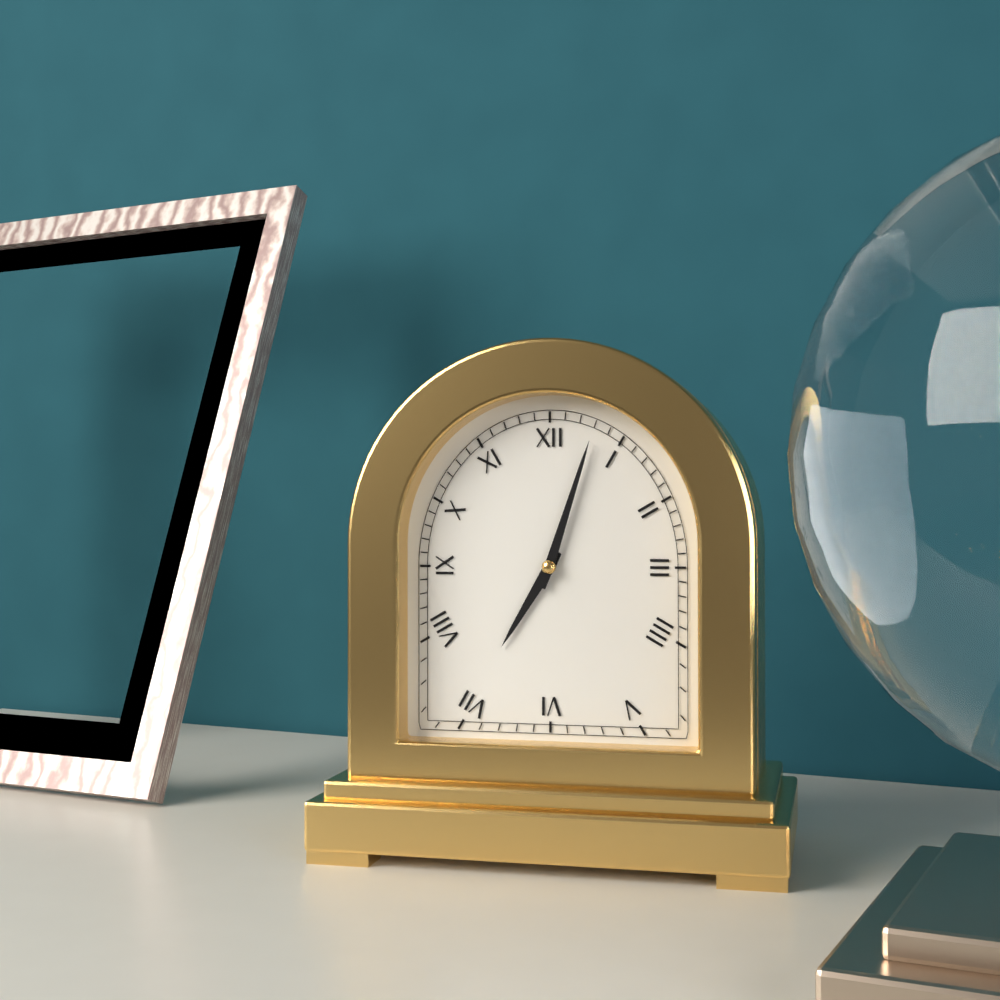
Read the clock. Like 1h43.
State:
7h03
